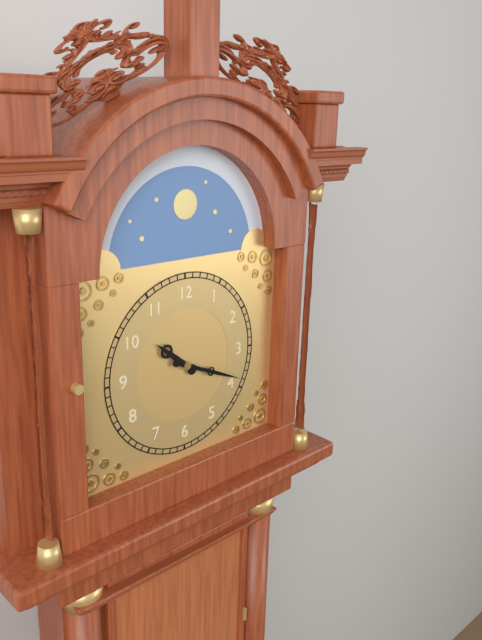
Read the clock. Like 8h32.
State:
10h19
